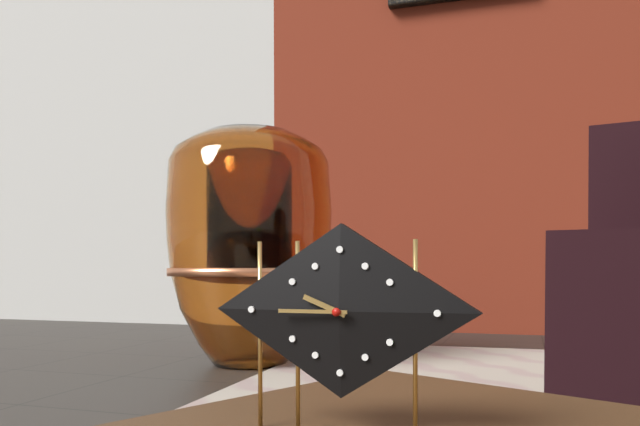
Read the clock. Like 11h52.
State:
9h45
